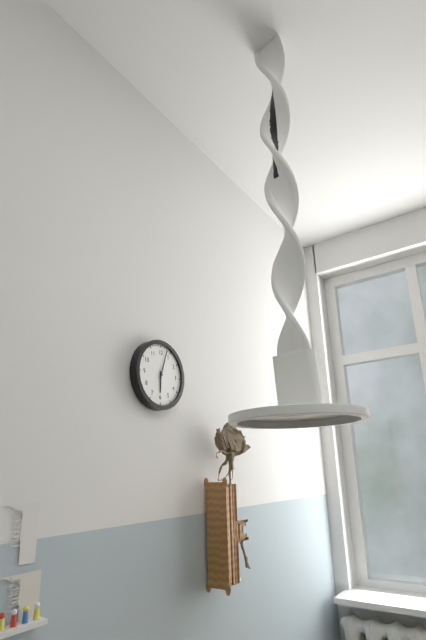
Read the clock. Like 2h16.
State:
6h03
